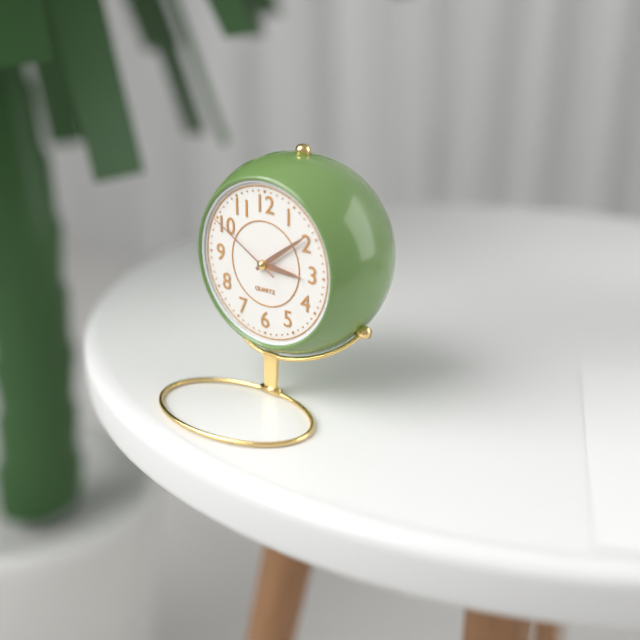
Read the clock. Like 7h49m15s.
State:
3h09m50s
